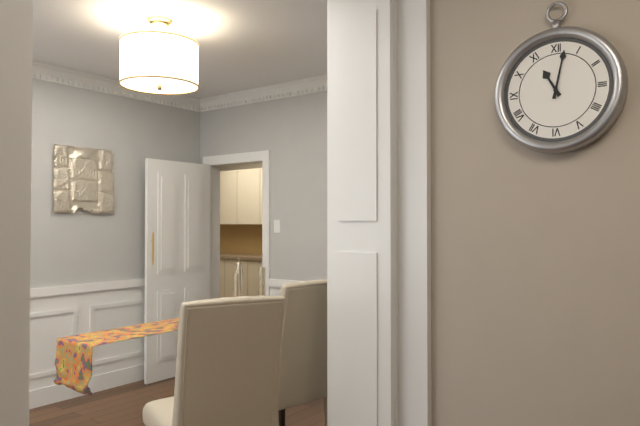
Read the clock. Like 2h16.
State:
11h02
